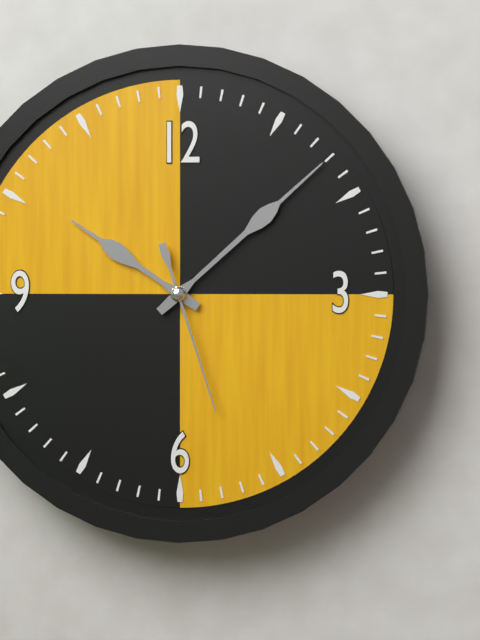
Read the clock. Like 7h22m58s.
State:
10h08m27s
